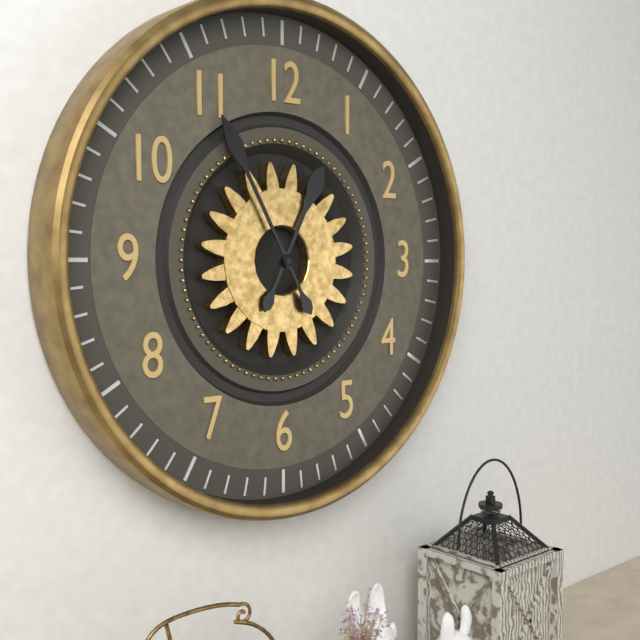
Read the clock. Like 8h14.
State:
12h55
